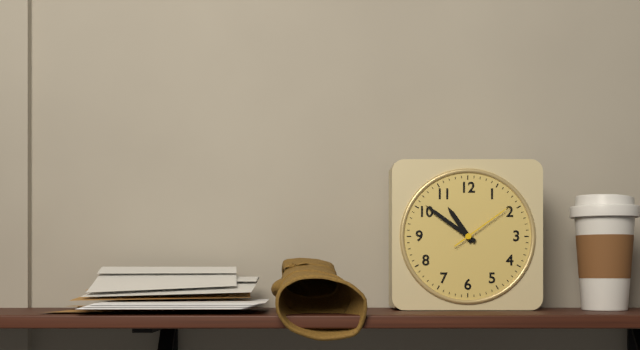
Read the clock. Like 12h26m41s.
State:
10h51m09s
